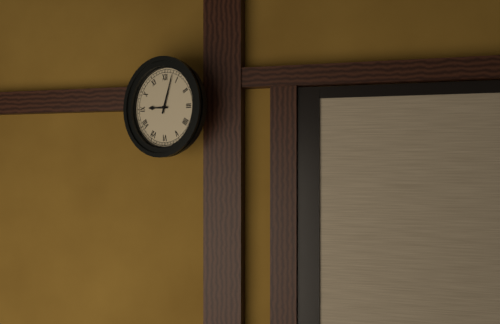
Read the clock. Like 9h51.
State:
9h03
